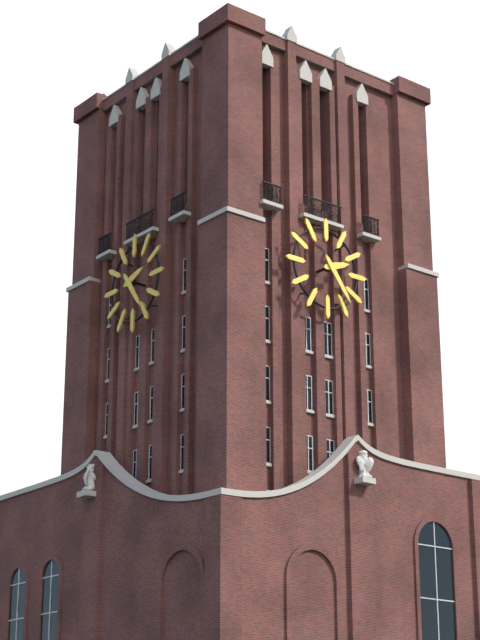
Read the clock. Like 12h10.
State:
2h24
